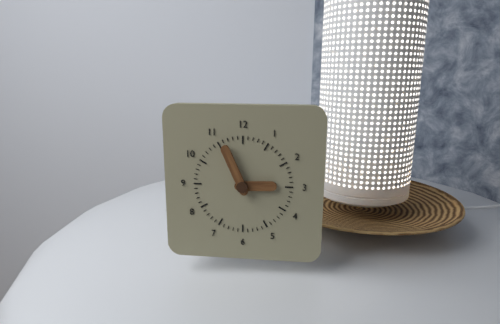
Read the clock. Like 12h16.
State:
2h56
